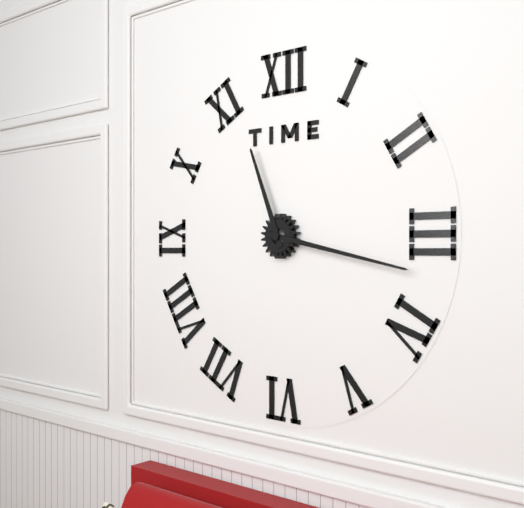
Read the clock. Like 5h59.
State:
11h17
